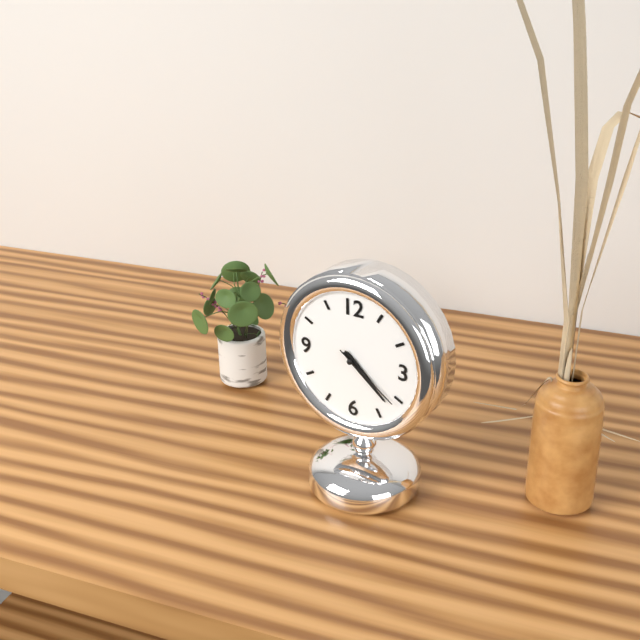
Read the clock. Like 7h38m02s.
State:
4h22m21s
